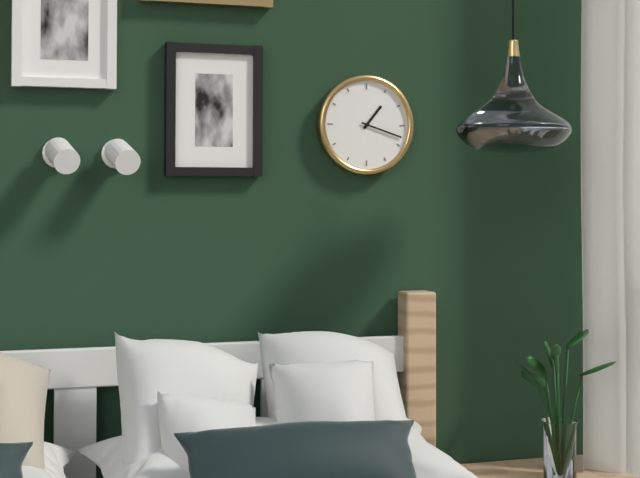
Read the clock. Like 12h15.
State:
1h18
